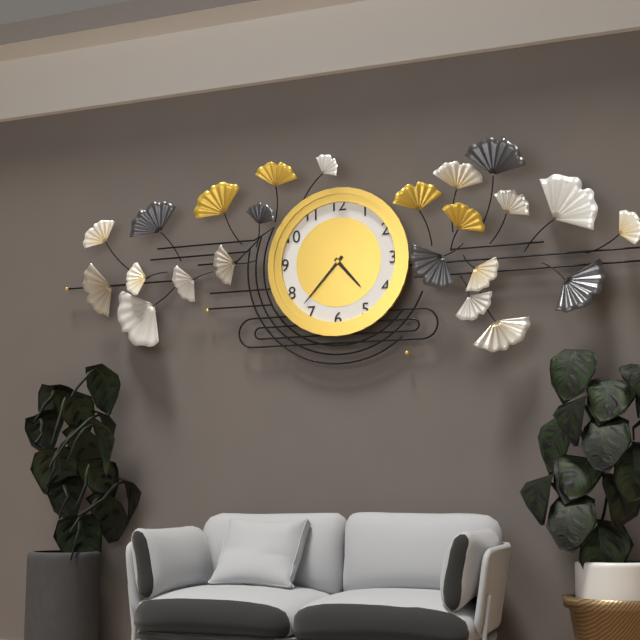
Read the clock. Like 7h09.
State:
4h37
